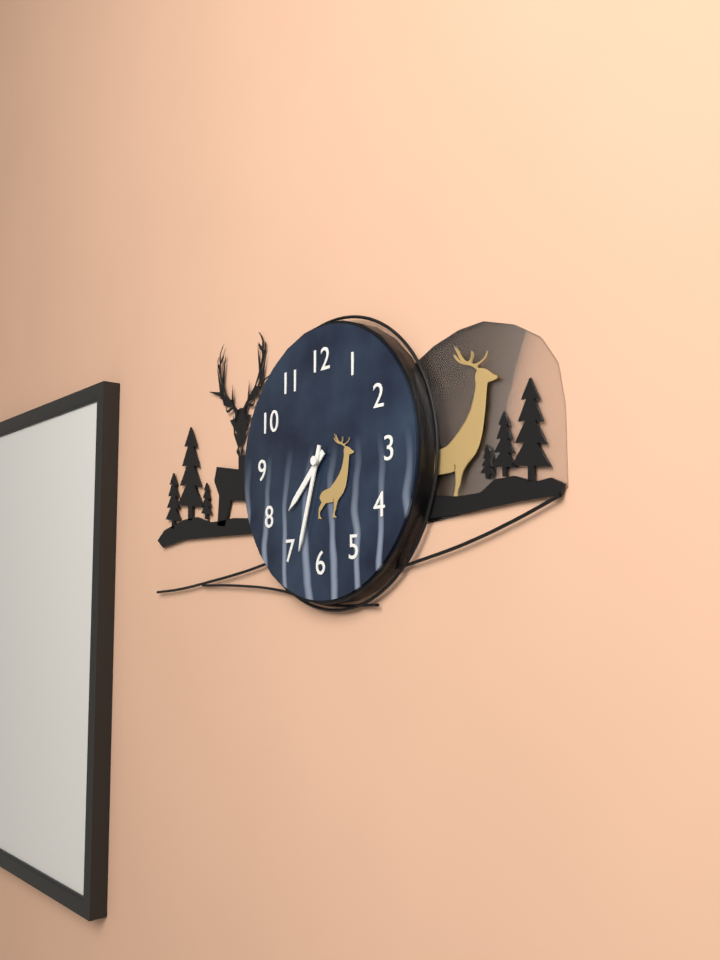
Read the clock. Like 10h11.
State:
7h33
